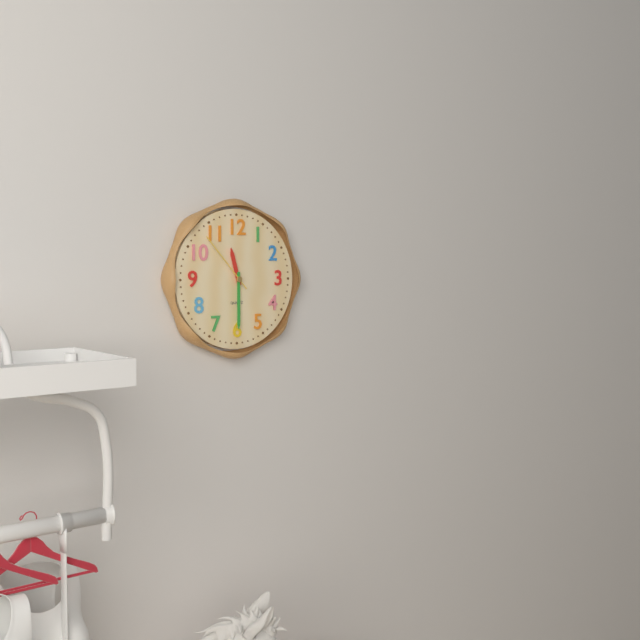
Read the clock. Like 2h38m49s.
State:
11h30m53s
